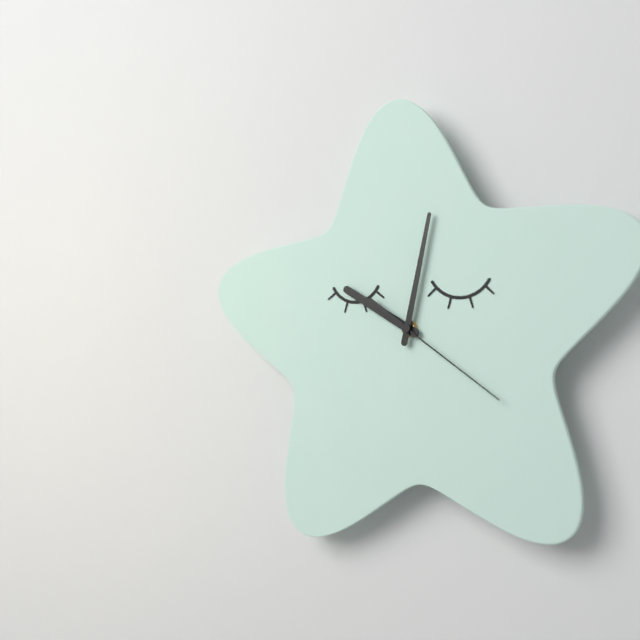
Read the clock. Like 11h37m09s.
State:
10h02m21s
